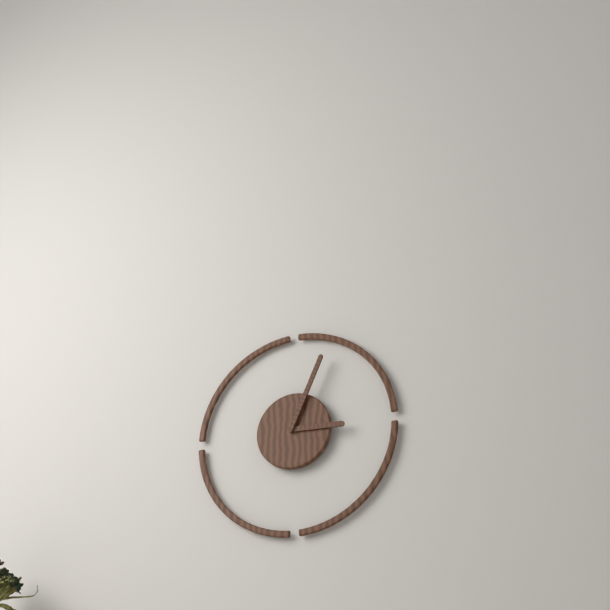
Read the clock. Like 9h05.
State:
3h04
